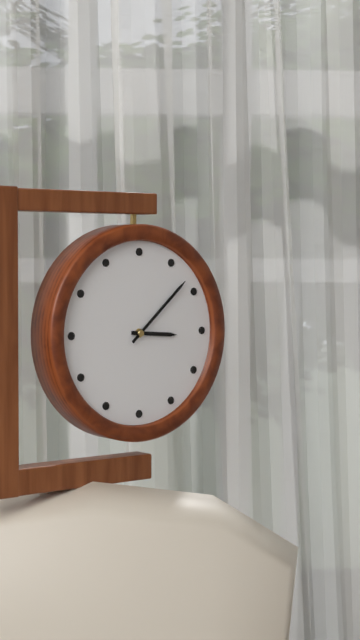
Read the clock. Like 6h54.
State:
3h08
